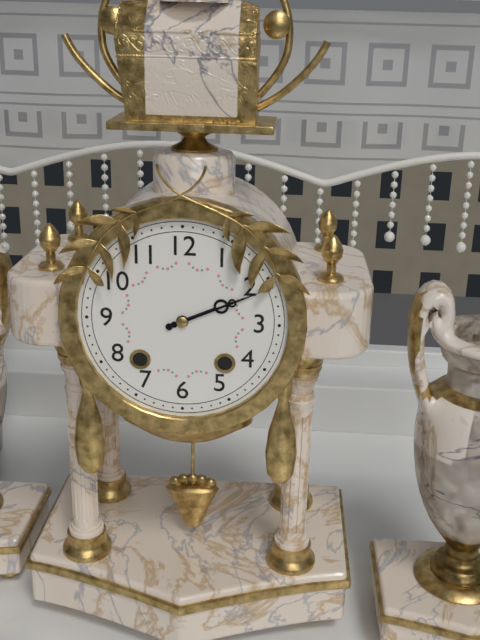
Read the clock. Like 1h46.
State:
2h11
